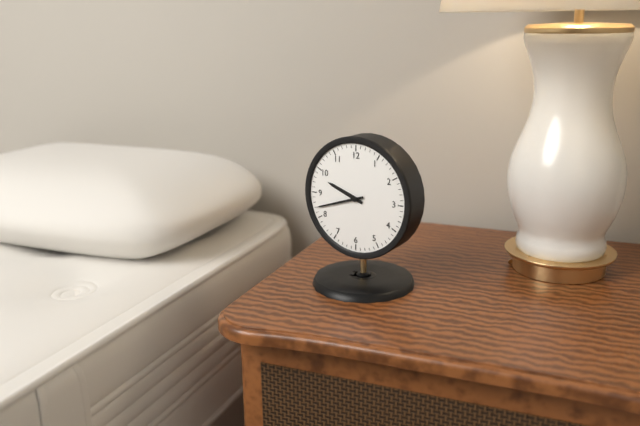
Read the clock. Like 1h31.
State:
9h42
